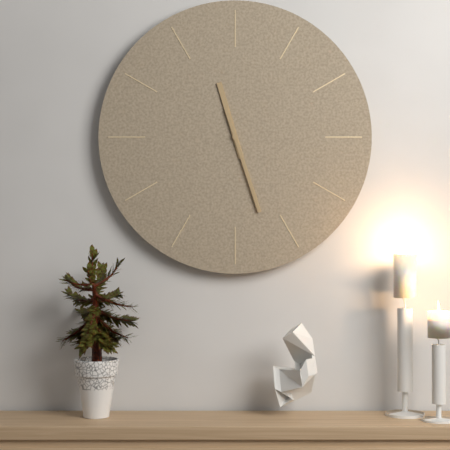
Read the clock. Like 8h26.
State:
11h27
